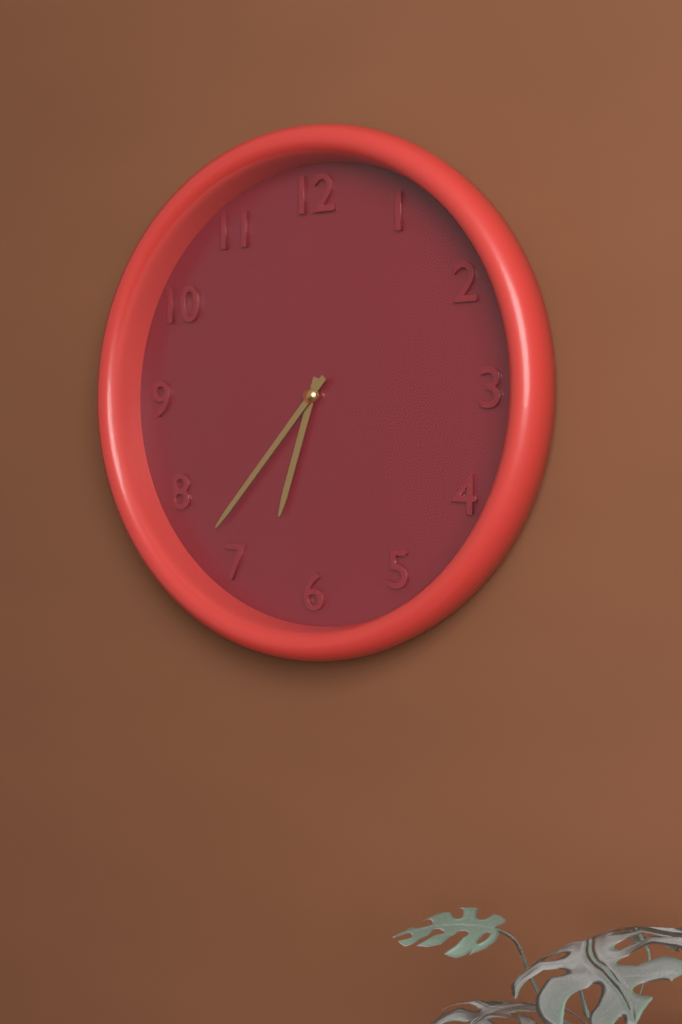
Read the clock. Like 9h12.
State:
6h37
